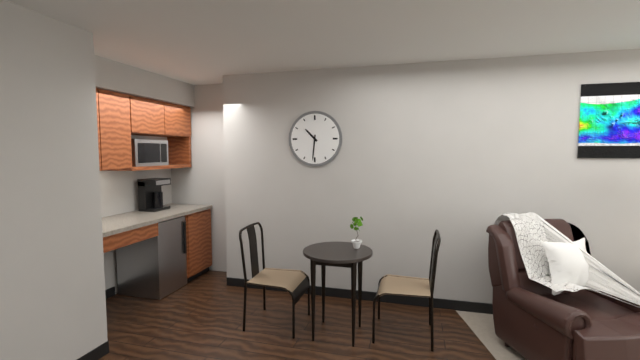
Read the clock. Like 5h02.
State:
10h31
